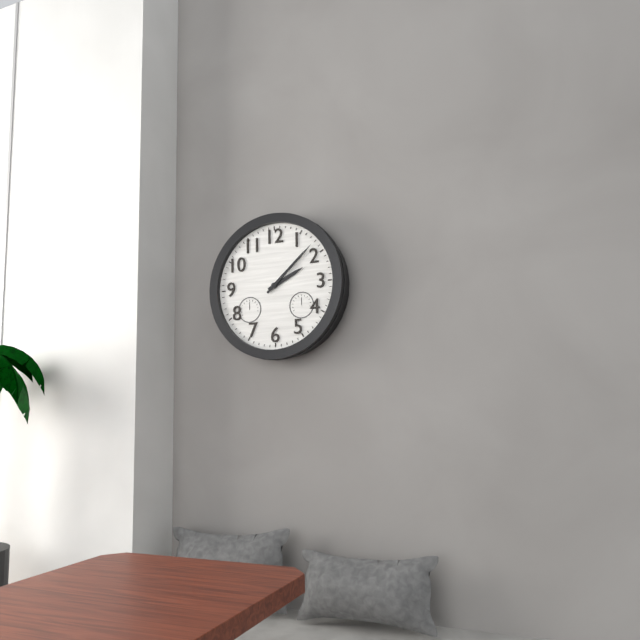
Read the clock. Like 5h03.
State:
2h08
